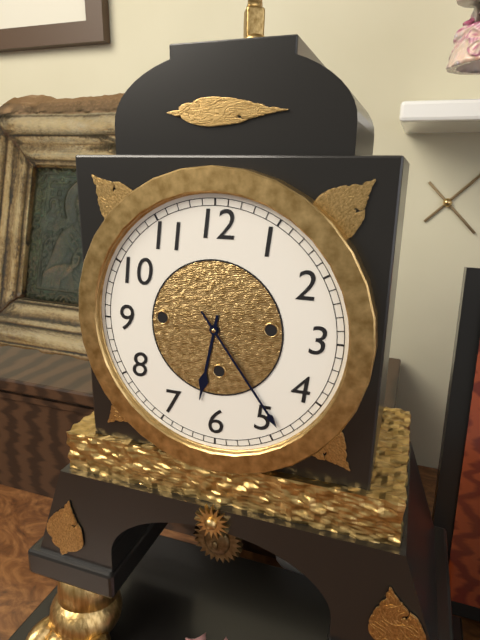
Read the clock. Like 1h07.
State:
6h24
